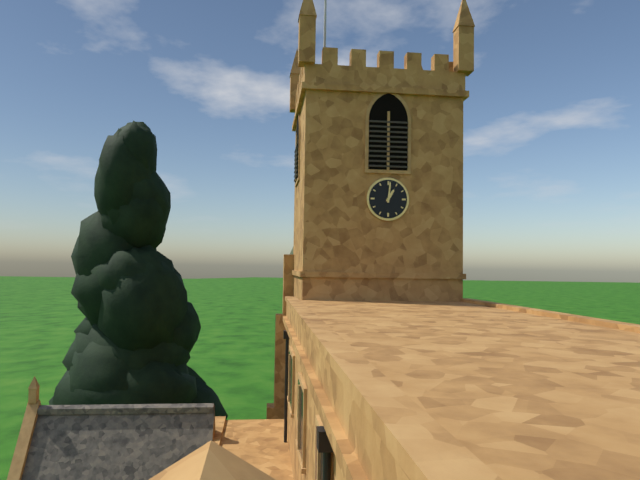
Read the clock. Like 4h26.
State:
1h01
